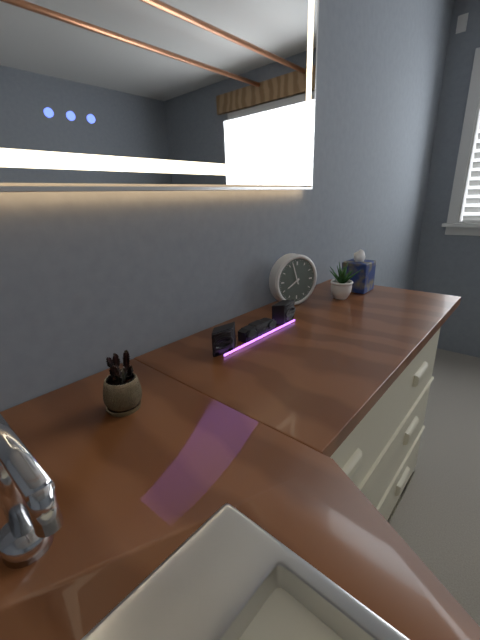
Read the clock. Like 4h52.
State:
7h57
